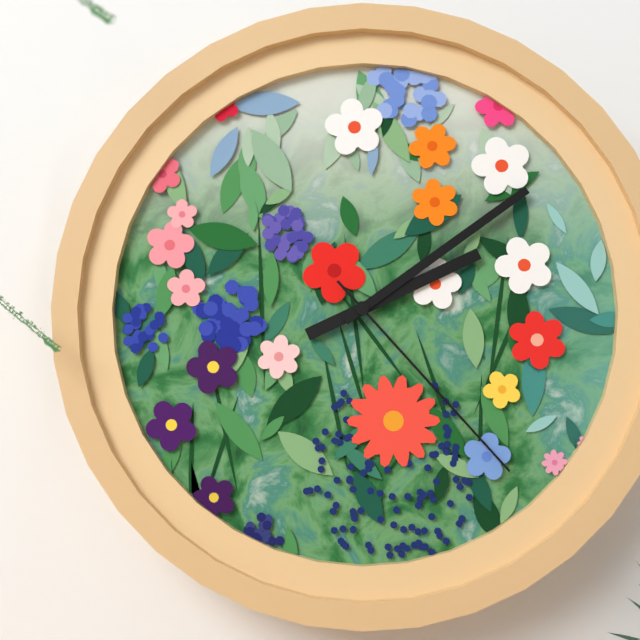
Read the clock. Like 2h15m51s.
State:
2h09m23s
